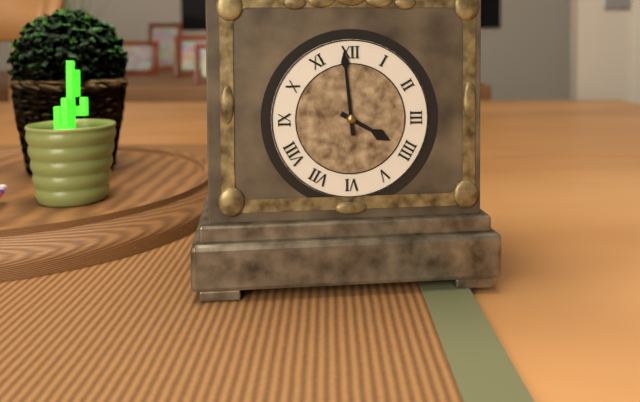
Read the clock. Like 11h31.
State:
3h59
